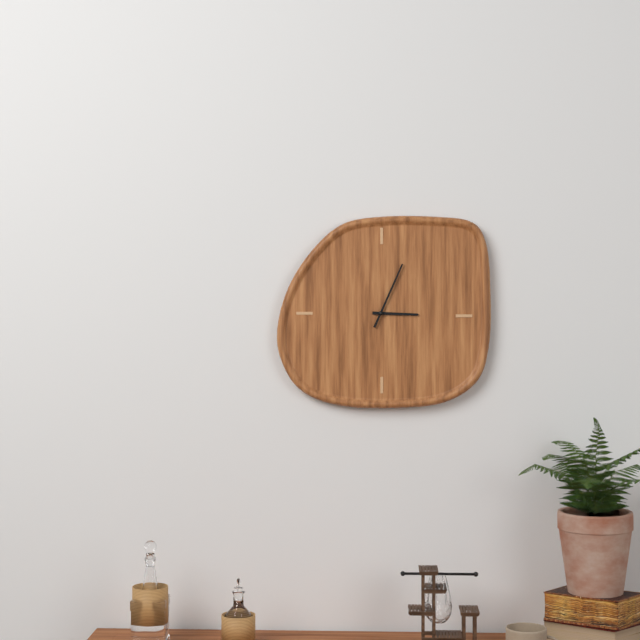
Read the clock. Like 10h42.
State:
3h04
